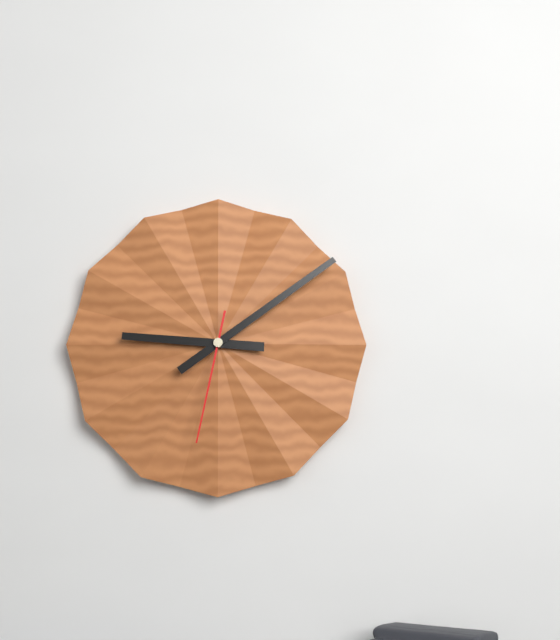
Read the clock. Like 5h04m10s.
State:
9h09m32s
